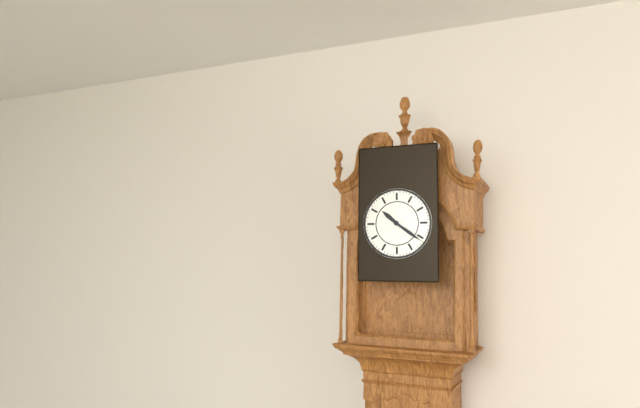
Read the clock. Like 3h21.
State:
10h21
